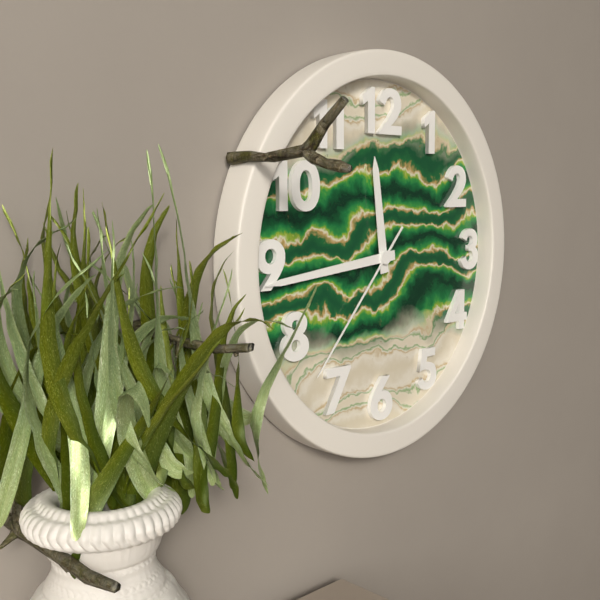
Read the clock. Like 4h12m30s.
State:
11h44m37s
